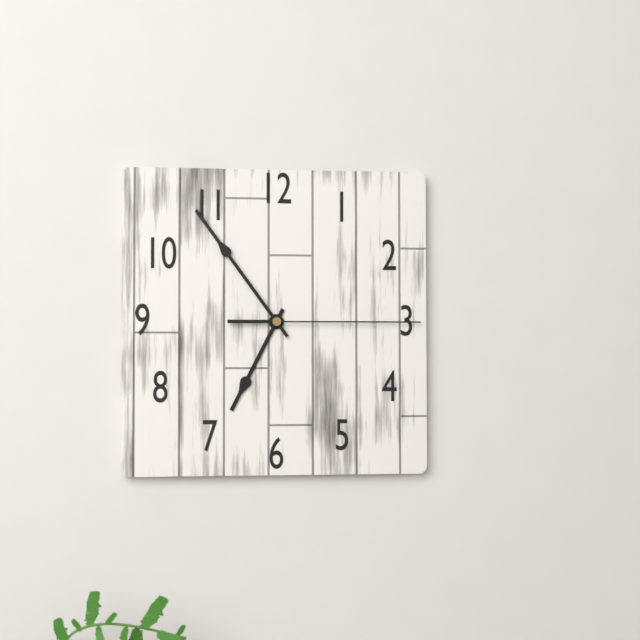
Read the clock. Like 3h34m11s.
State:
6h54m15s
